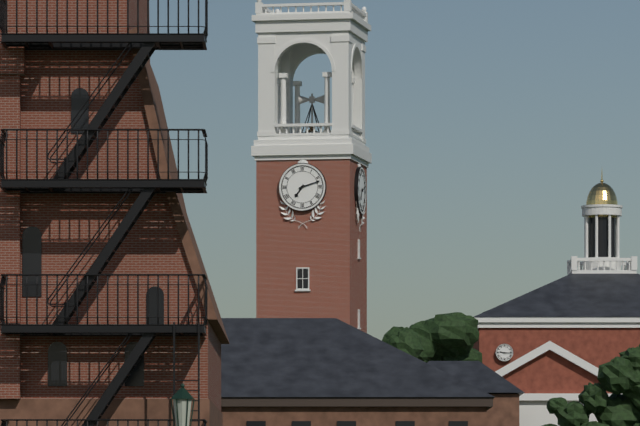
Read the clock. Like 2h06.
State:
7h12
